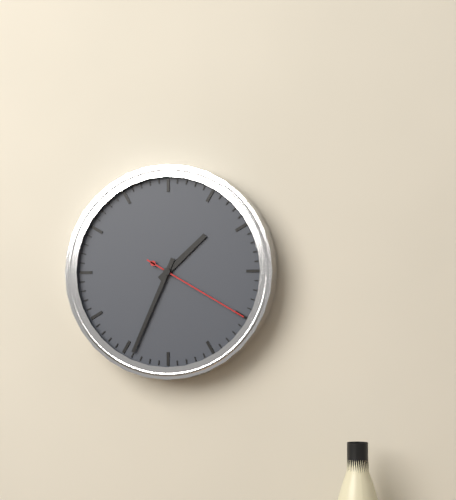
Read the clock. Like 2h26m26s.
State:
1h34m20s
